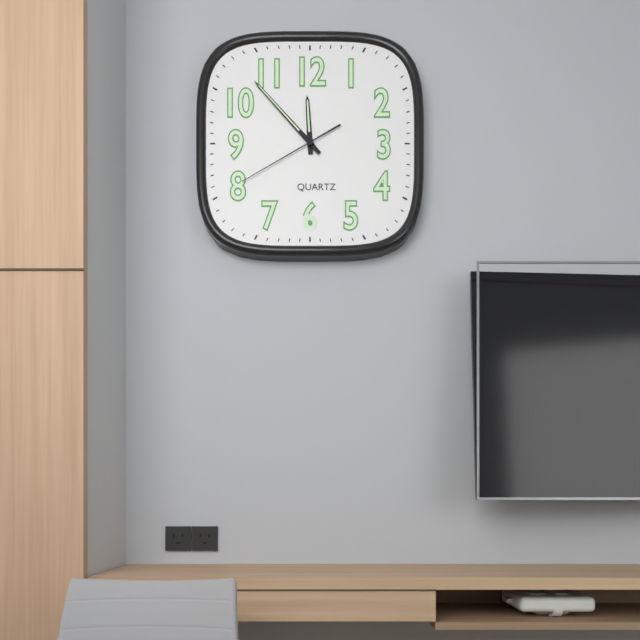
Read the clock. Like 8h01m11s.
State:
11h53m40s
